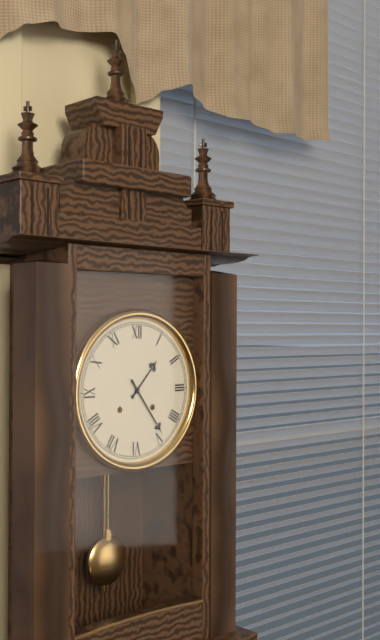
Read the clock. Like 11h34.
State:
1h24
